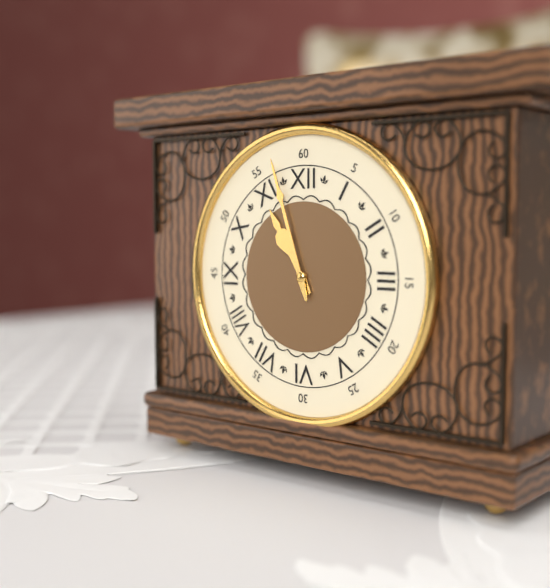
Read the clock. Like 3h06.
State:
10h57
